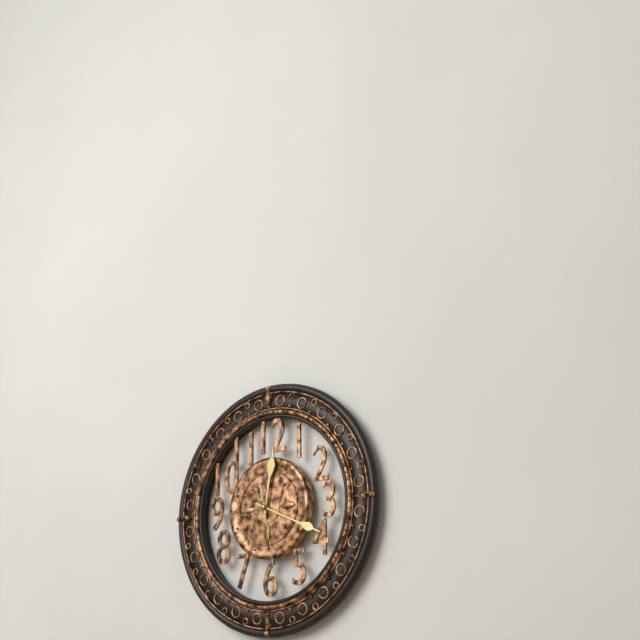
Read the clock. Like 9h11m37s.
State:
12h19m28s
